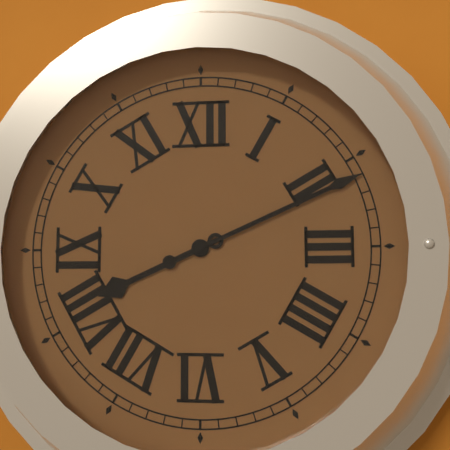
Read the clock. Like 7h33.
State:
8h11
